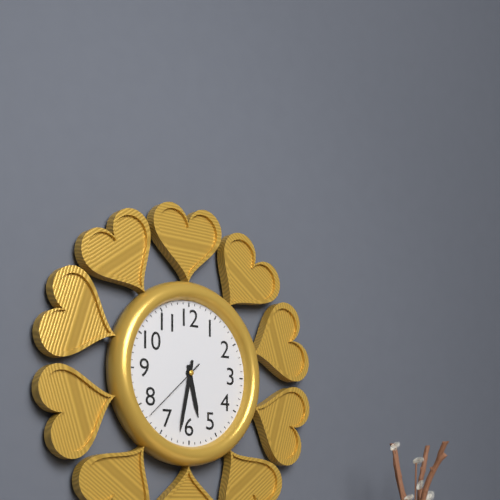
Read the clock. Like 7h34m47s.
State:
5h32m38s
